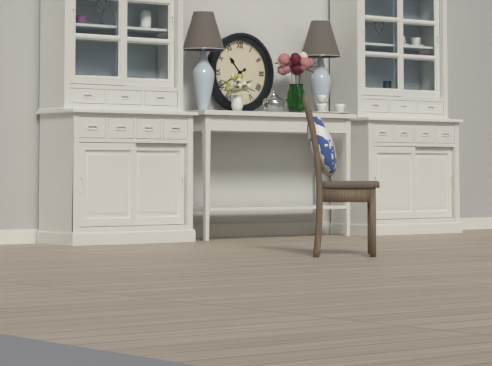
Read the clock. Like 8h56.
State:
10h40
